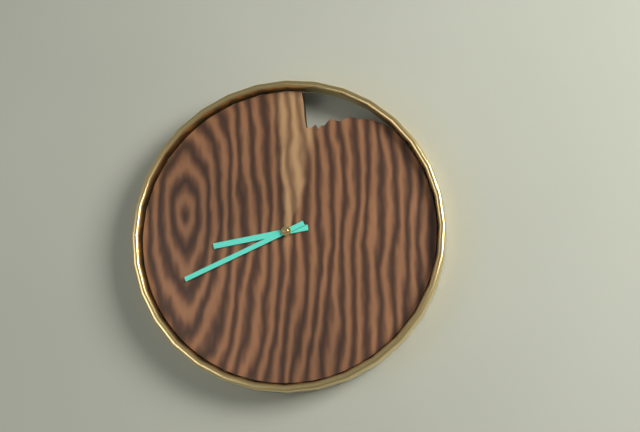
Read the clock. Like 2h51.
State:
8h41
